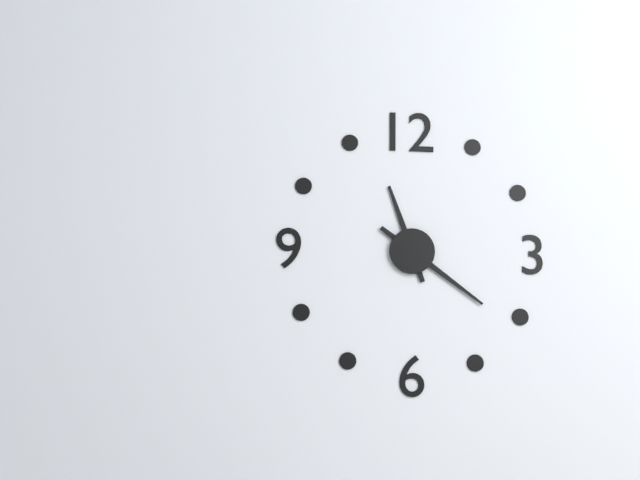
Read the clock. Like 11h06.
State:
11h21
